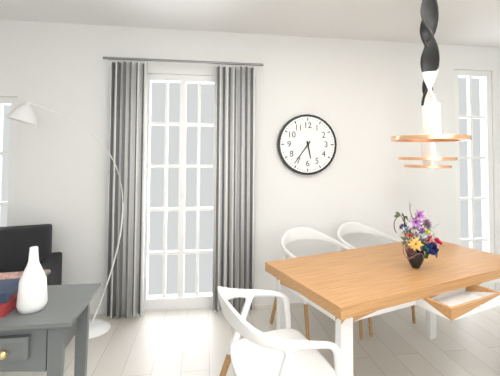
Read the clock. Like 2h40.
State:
5h36
